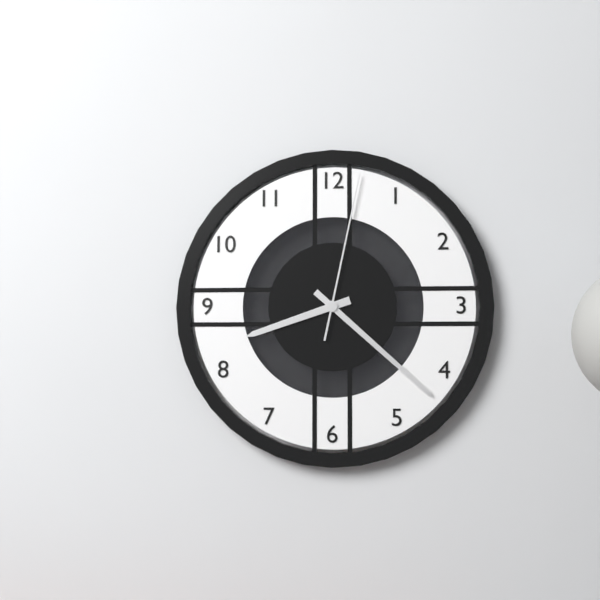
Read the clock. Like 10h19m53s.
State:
8h22m02s
